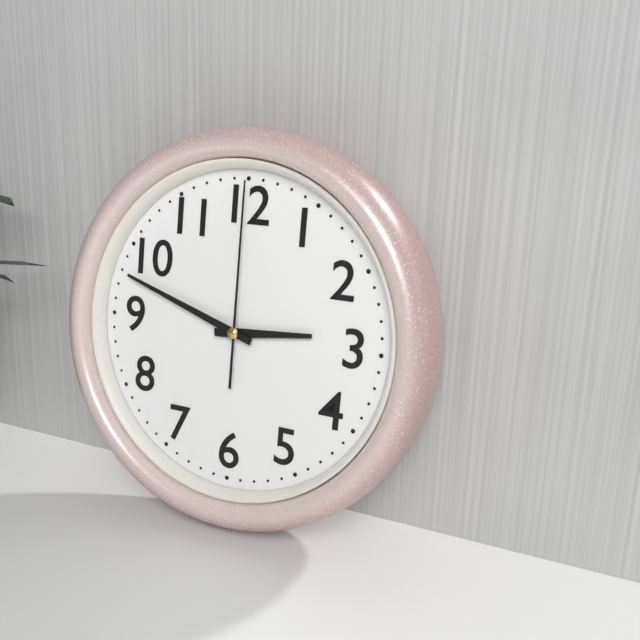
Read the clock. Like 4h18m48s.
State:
2h48m00s
